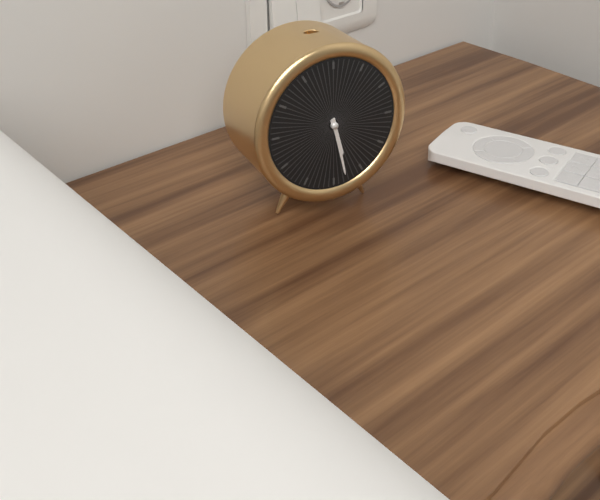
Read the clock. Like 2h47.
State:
5h28
